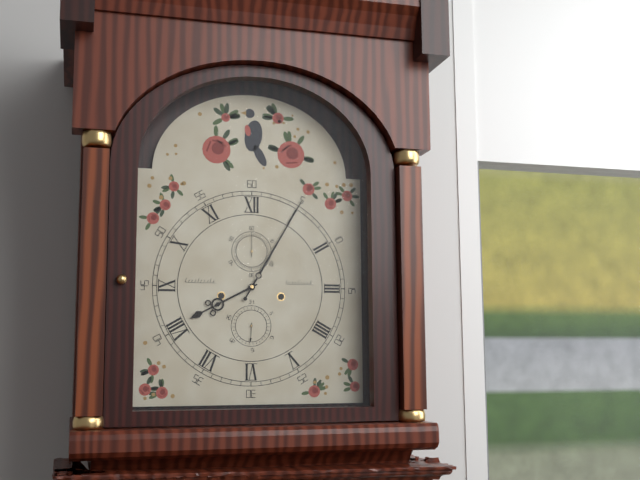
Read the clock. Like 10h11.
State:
8h05
